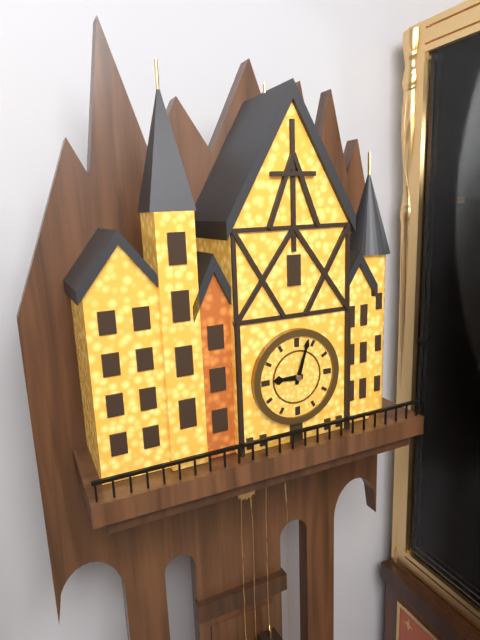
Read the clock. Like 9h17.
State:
9h03
